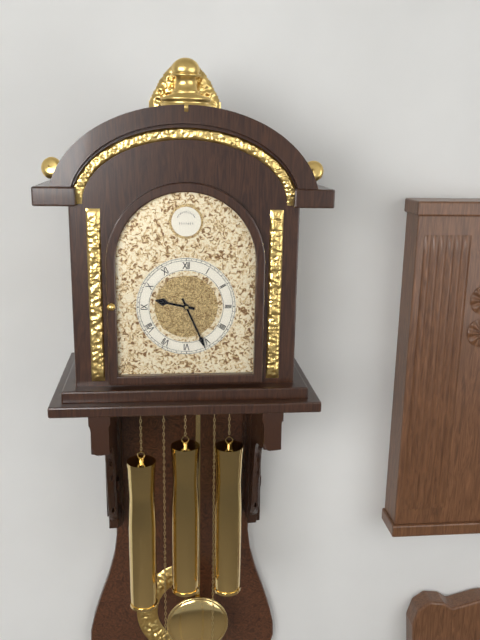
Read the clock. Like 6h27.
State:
9h26
